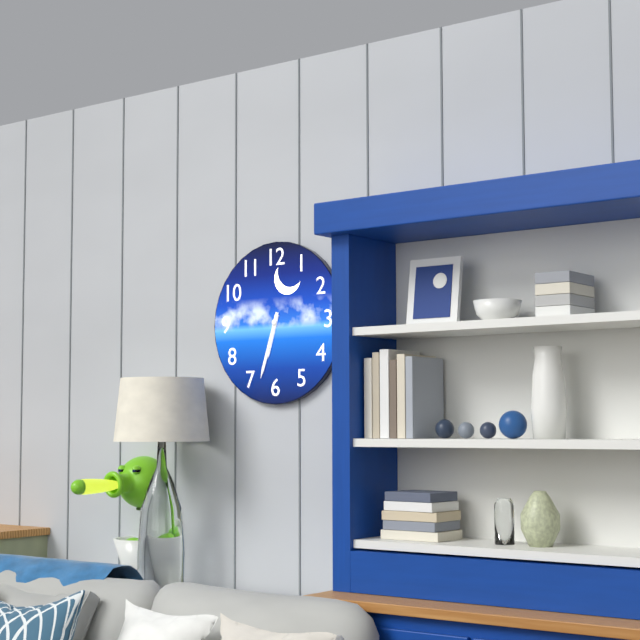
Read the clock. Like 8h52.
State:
6h33
